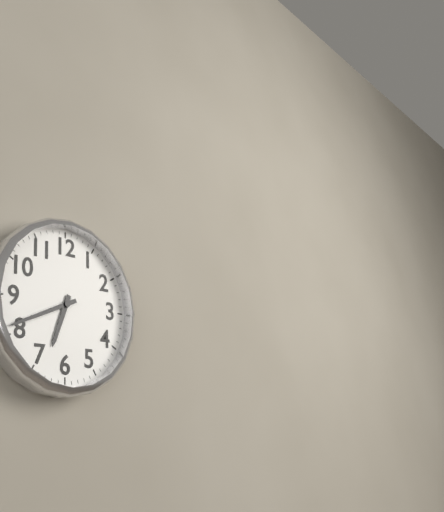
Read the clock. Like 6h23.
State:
6h41
